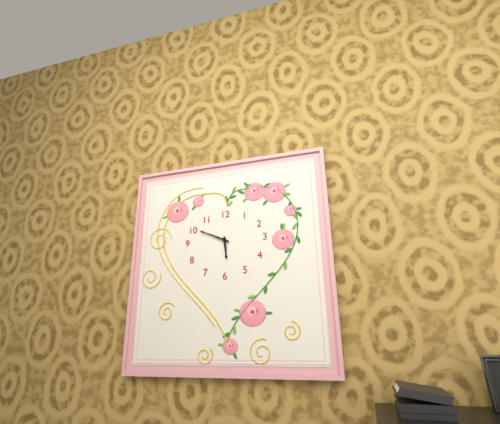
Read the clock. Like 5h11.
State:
5h49
